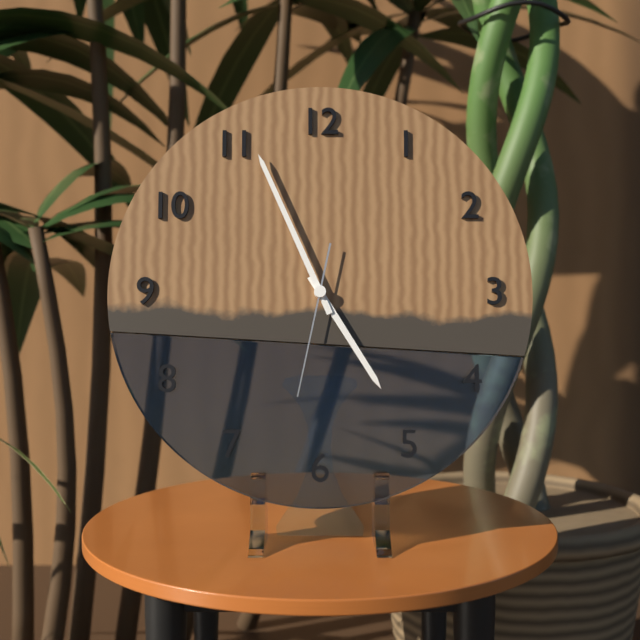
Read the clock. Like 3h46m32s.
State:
4h56m32s
